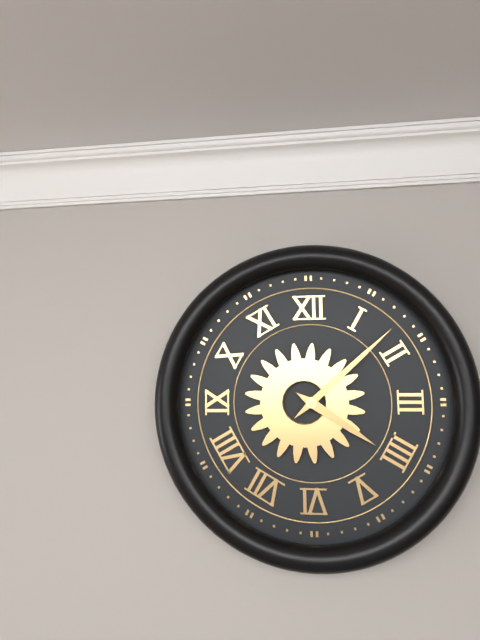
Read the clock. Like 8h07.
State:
4h08
